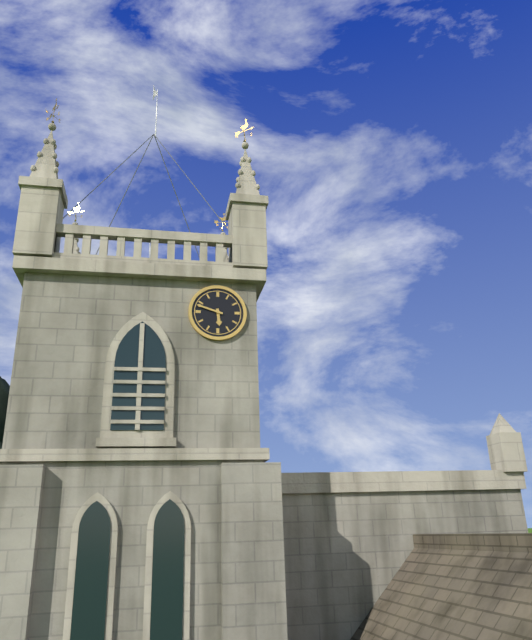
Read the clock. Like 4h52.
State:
5h48
